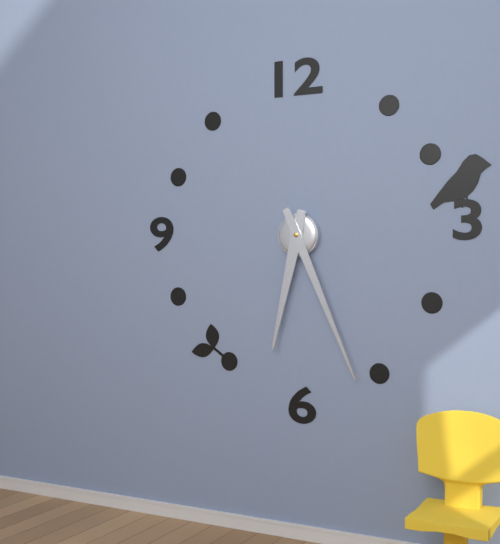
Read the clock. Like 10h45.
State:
6h26
